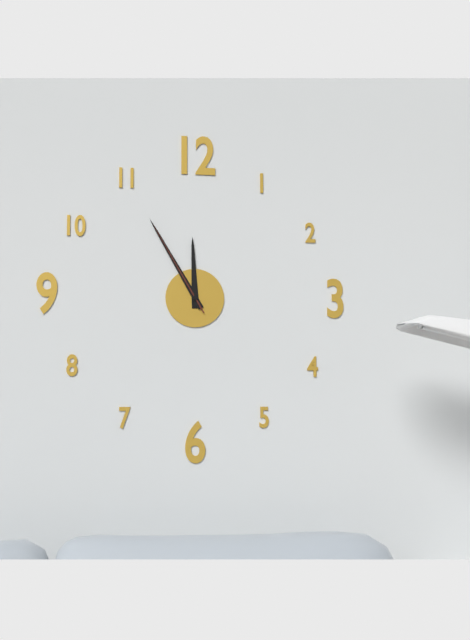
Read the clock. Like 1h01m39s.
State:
11h55m55s
